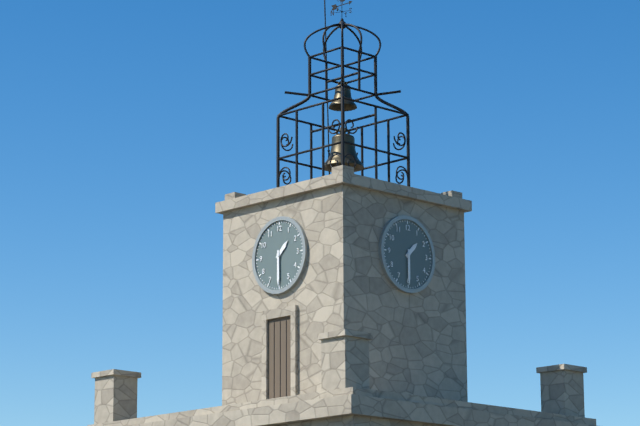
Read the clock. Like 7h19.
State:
1h30
